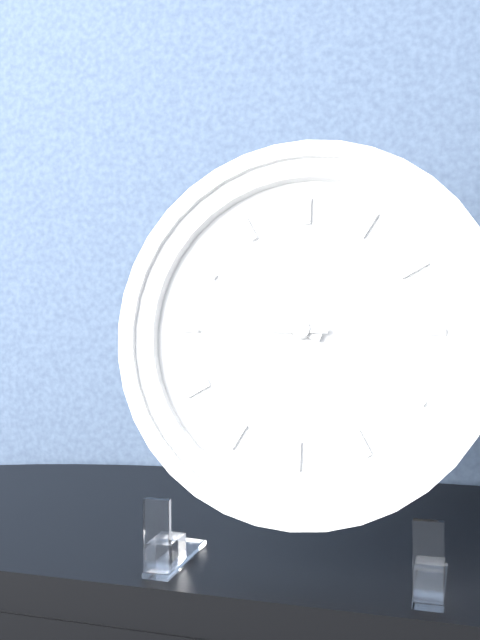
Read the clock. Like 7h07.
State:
9h45
